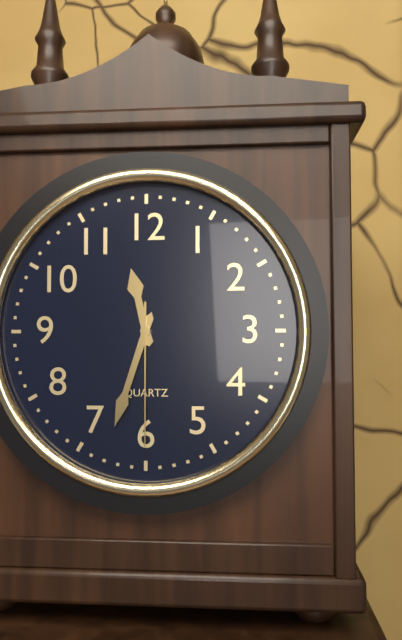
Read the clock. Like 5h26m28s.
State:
11h33m30s
